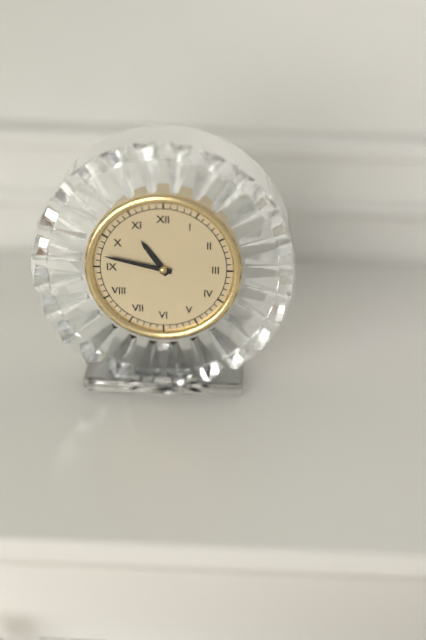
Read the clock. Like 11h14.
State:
10h47
